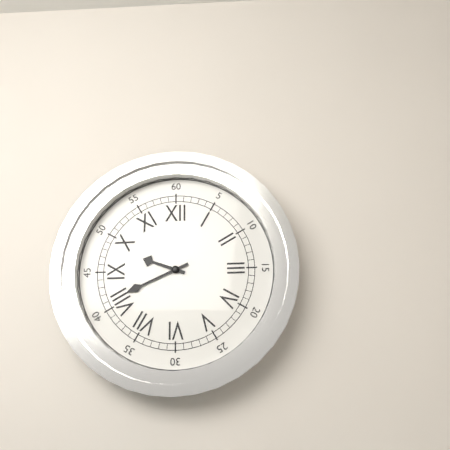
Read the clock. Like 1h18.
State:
9h41
